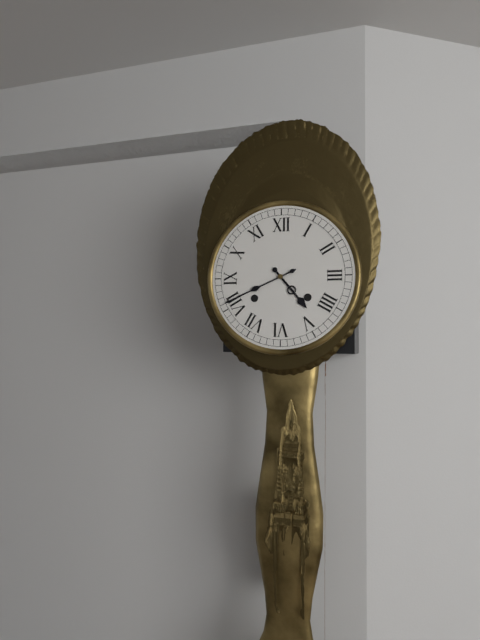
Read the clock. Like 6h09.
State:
4h41
